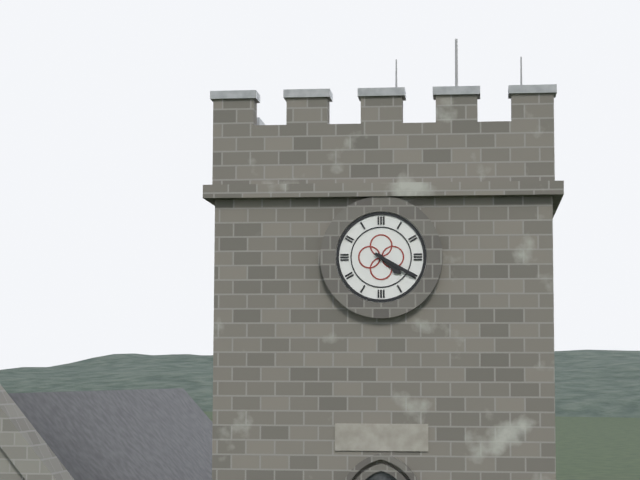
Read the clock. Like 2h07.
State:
4h20
